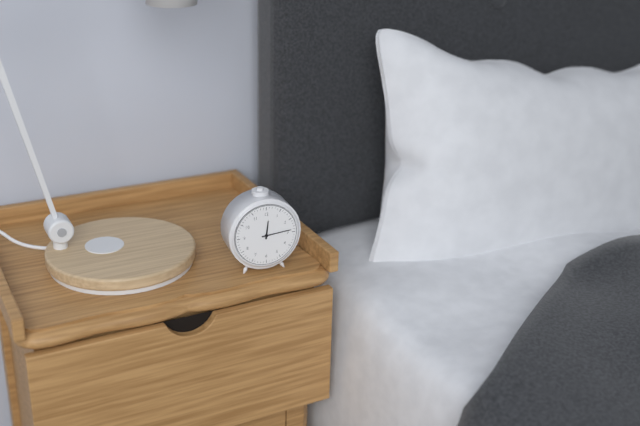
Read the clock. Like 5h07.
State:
12h14
